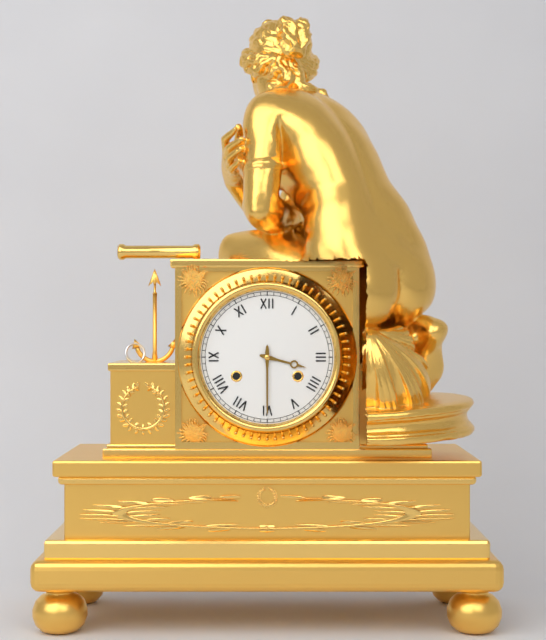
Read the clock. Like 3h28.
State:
3h30
